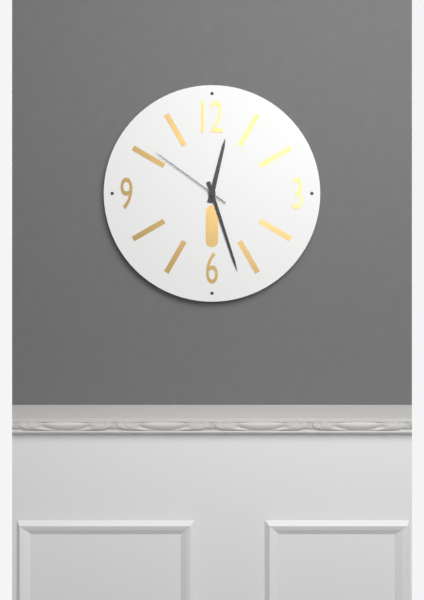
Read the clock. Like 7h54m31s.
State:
12h27m51s
